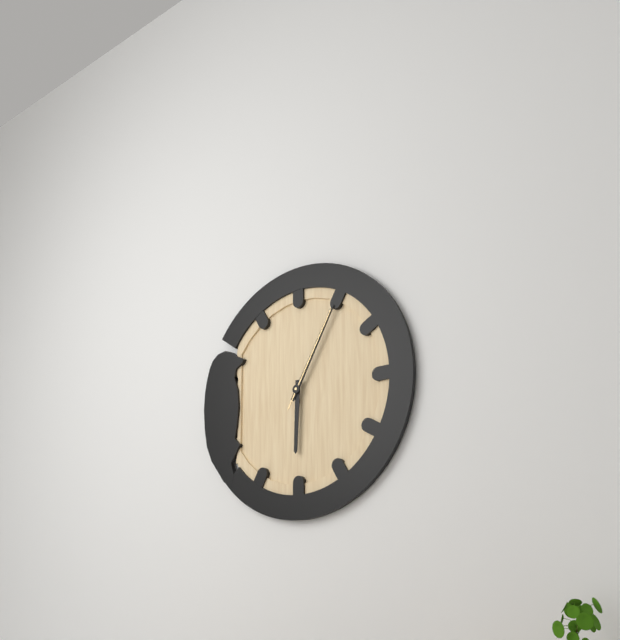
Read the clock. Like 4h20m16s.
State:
6h05m05s
